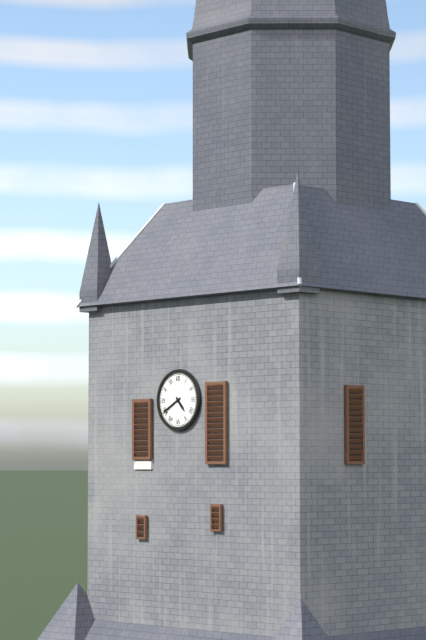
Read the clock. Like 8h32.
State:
4h40
